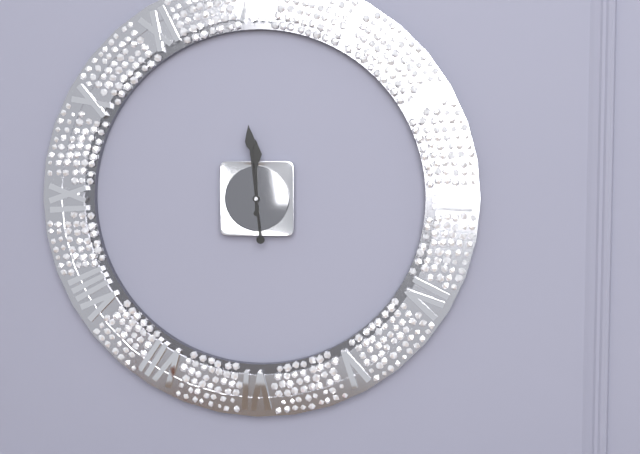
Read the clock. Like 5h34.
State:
11h59
